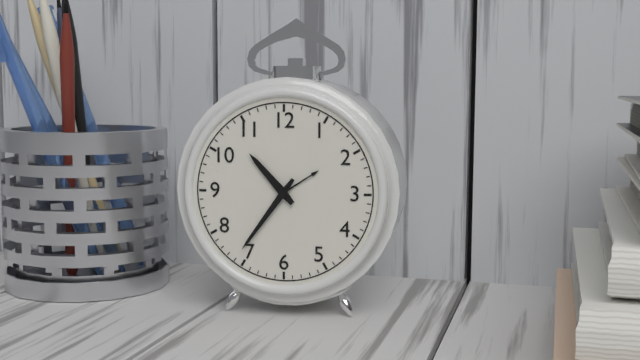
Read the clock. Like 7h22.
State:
10h36
